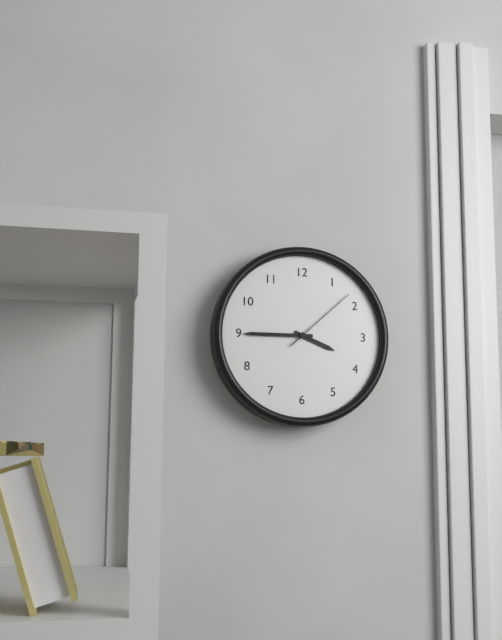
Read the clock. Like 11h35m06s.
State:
3h45m08s
